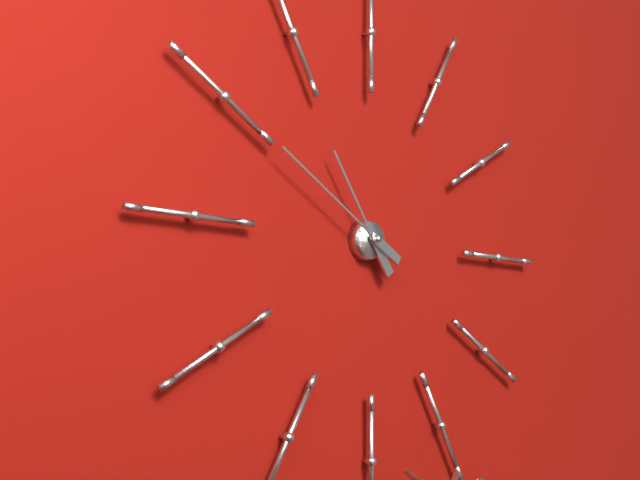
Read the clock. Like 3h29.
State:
10h50
